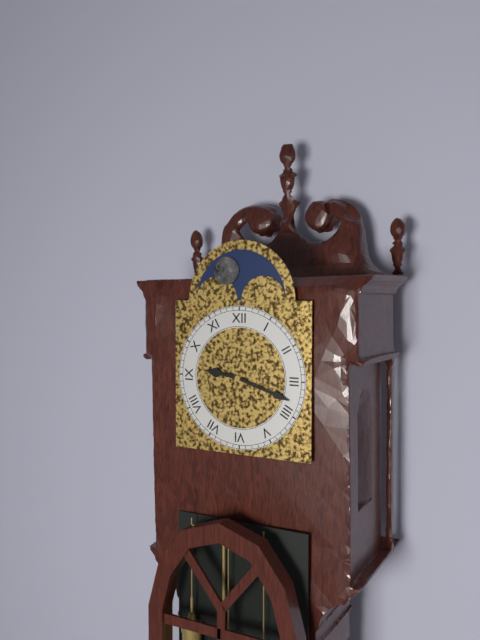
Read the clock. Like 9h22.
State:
9h18
